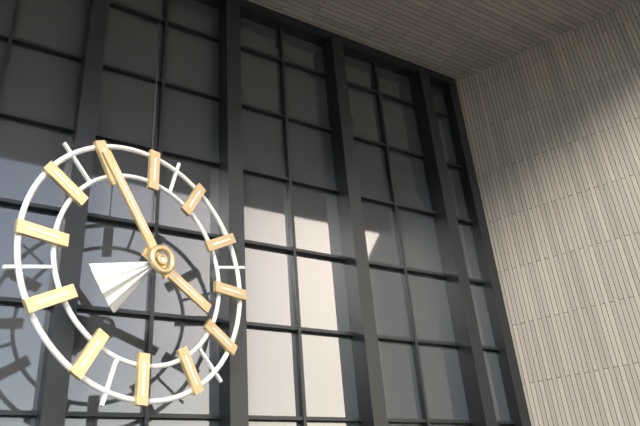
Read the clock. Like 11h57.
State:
3h54
